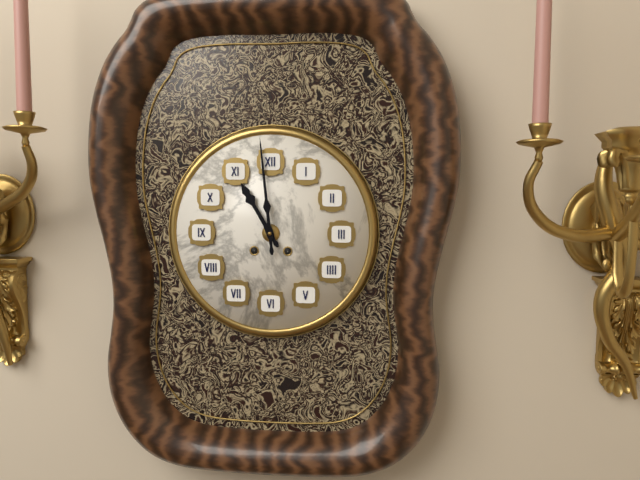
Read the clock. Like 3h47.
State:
10h59
